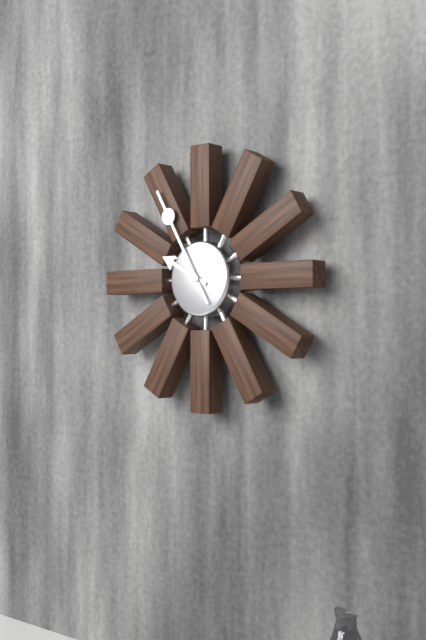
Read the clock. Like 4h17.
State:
9h55
